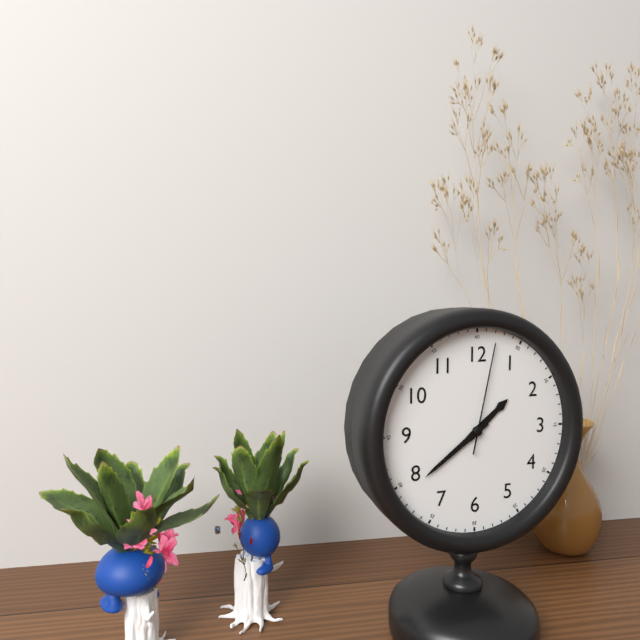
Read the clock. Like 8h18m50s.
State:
1h39m02s
